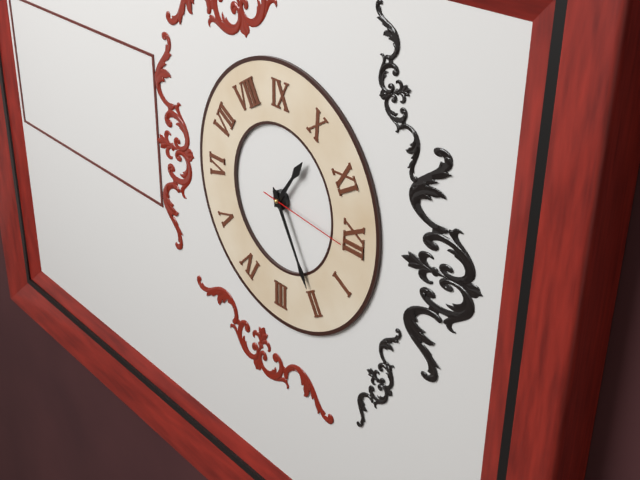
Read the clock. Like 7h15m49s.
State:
10h10m01s
